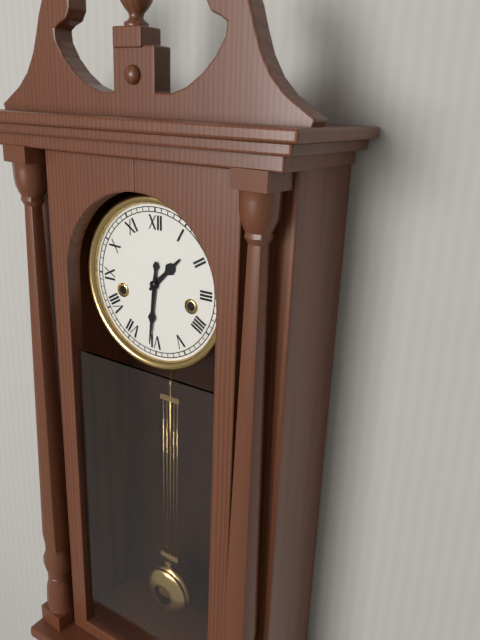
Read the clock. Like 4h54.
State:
1h31
